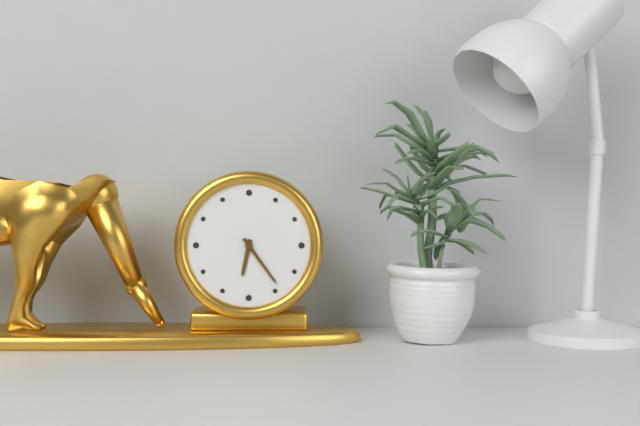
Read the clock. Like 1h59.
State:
6h24
